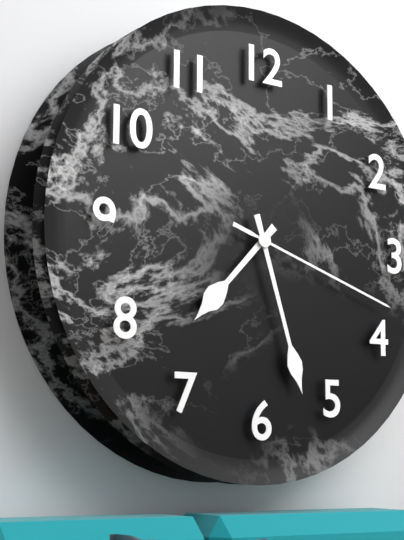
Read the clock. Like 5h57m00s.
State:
7h27m18s
